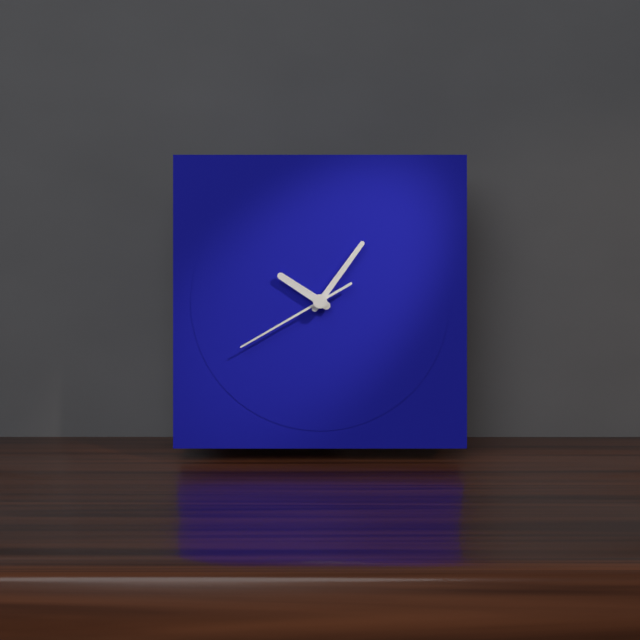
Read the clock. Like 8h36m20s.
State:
10h06m40s
